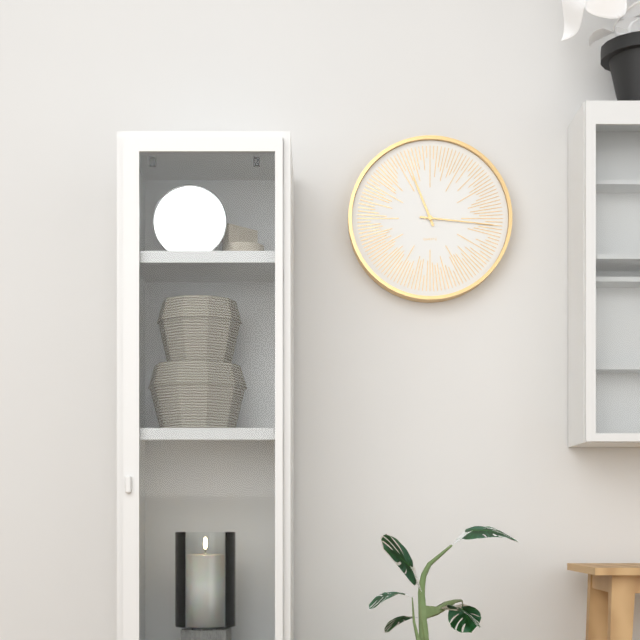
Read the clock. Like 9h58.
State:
11h16
